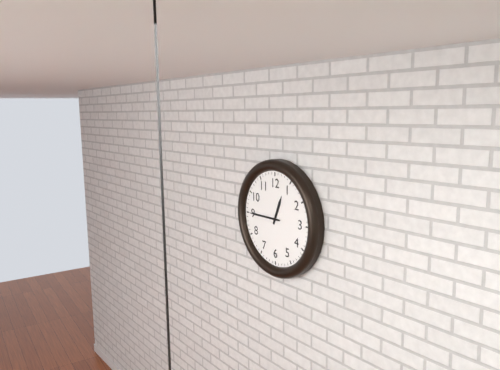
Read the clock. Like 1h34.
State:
12h45
